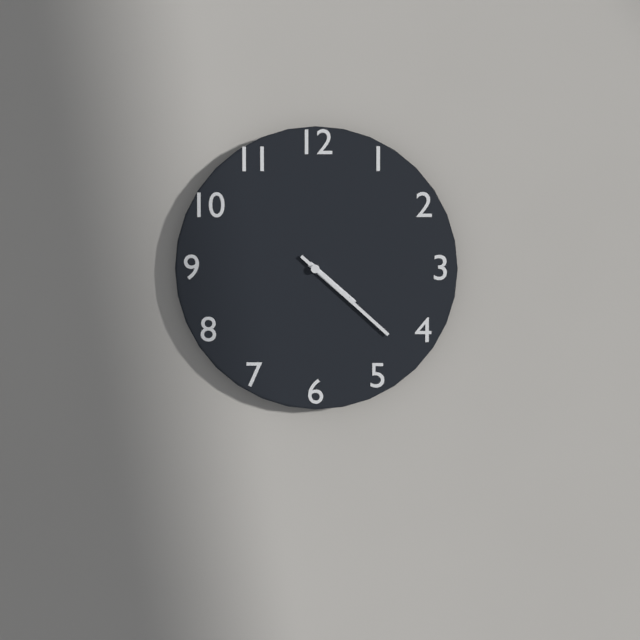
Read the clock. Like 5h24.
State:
4h22
